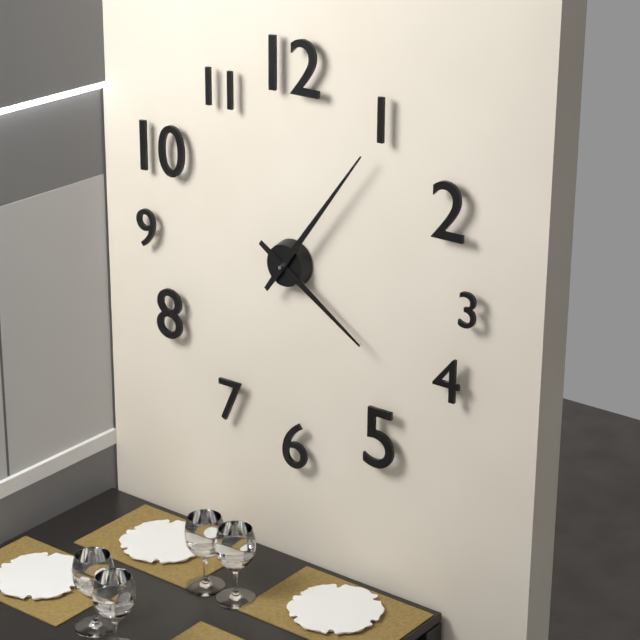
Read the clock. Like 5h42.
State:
4h06
